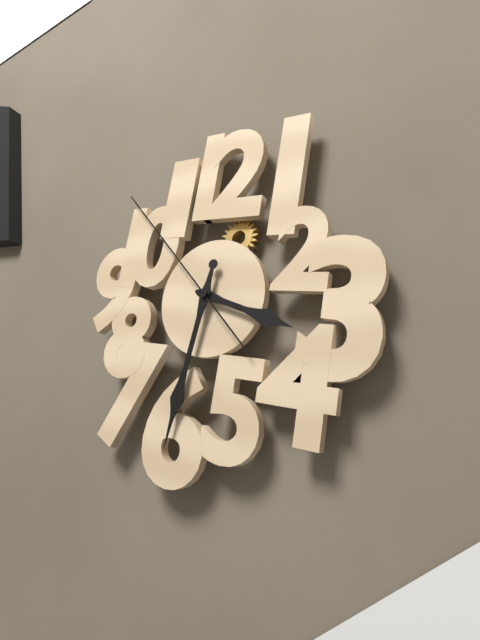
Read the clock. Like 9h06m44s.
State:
3h31m52s
